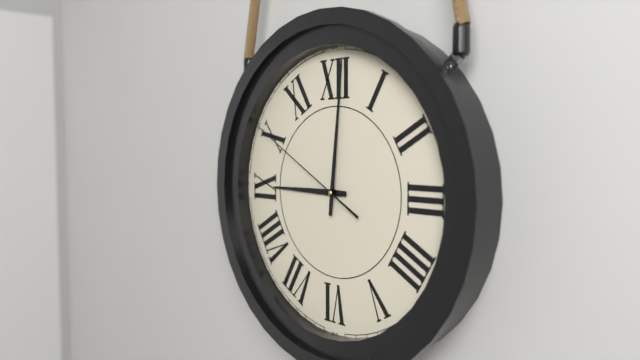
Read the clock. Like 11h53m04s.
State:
9h01m50s
